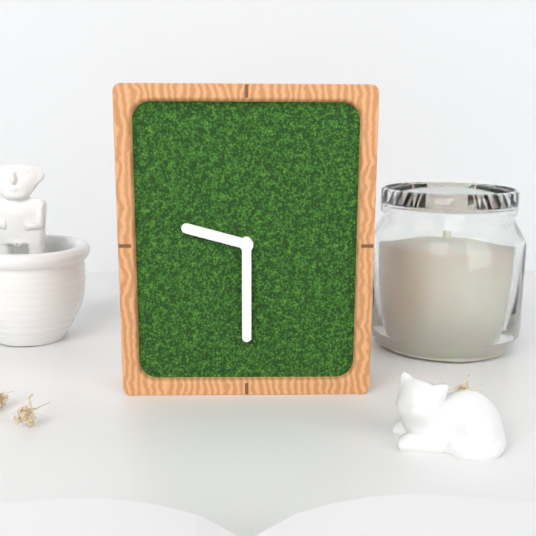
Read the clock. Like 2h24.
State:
9h30
